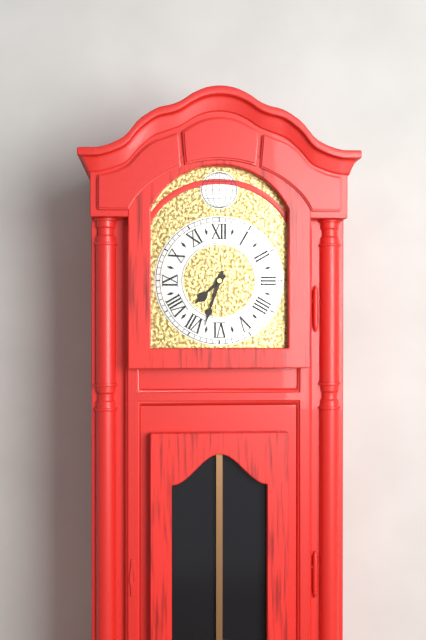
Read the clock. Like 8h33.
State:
7h33
